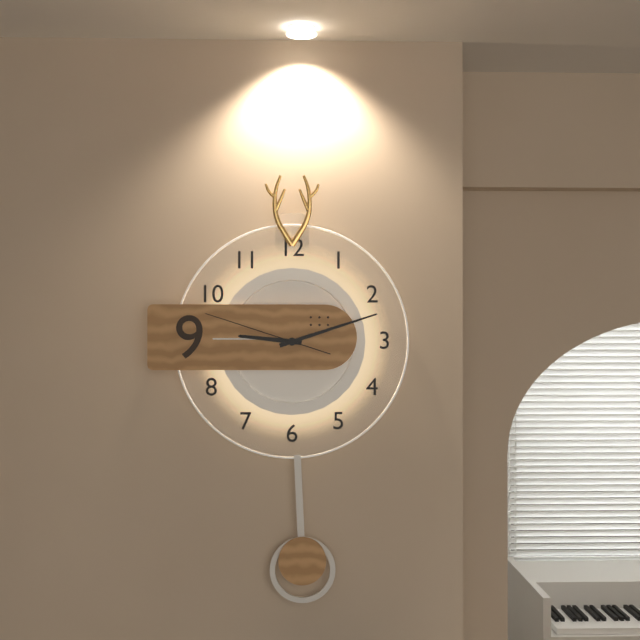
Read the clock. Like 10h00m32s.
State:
9h12m48s
